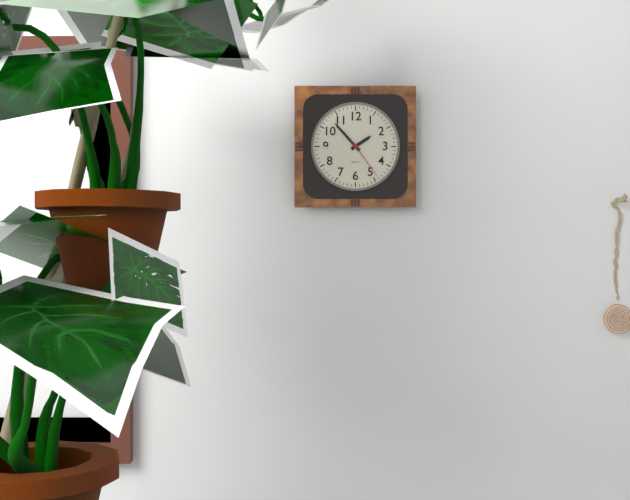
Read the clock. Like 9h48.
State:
1h53
